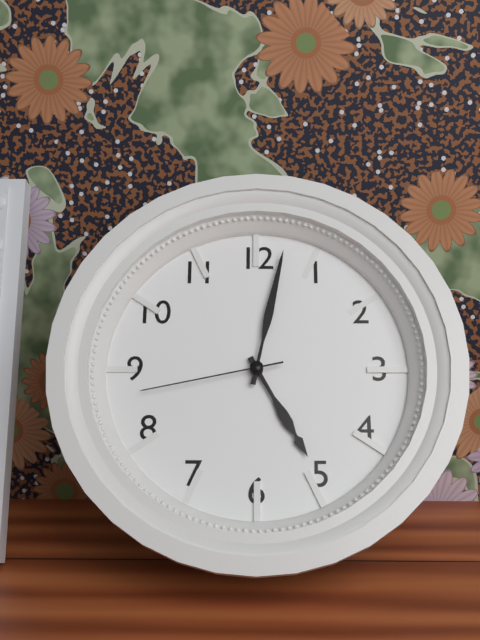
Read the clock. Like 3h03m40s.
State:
5h02m43s
